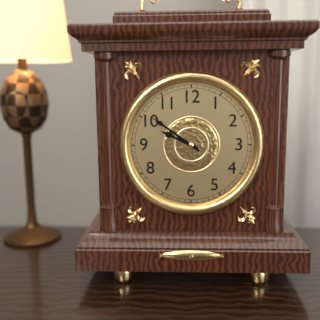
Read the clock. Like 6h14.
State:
9h51
